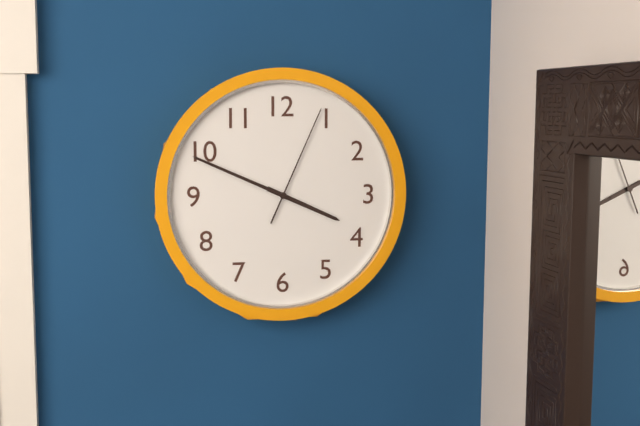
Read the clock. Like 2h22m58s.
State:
3h49m04s
